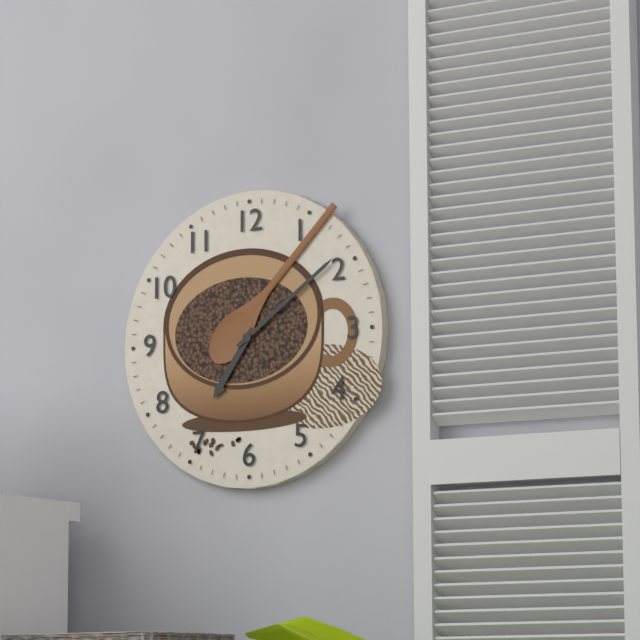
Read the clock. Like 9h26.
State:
7h09
